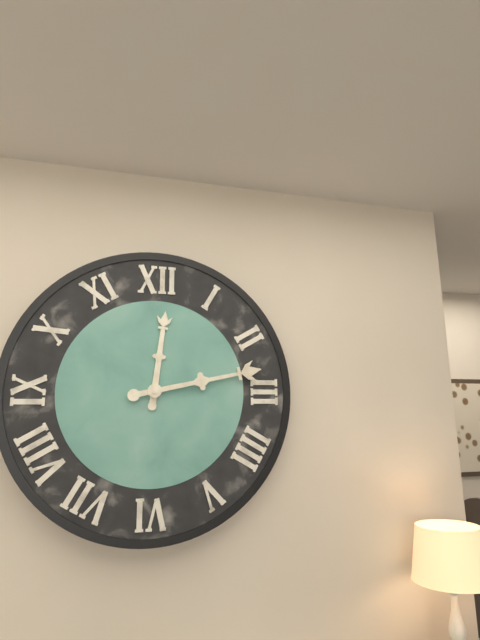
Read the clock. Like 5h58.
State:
12h13
